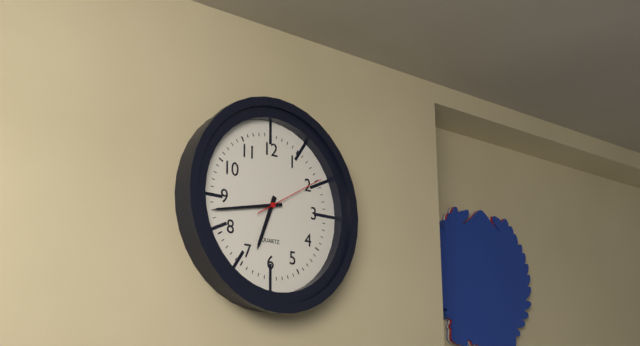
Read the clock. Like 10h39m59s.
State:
6h43m10s
